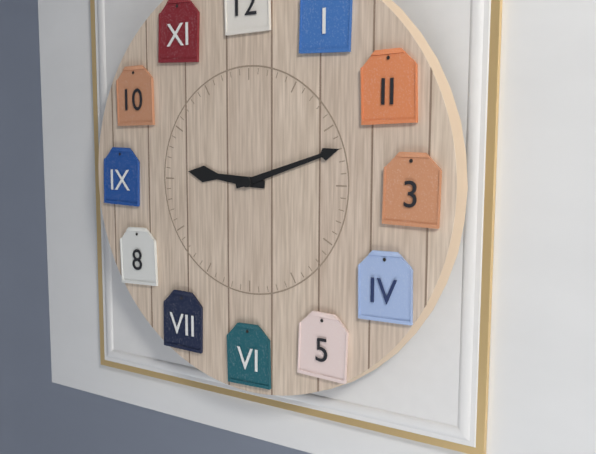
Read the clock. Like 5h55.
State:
9h12
